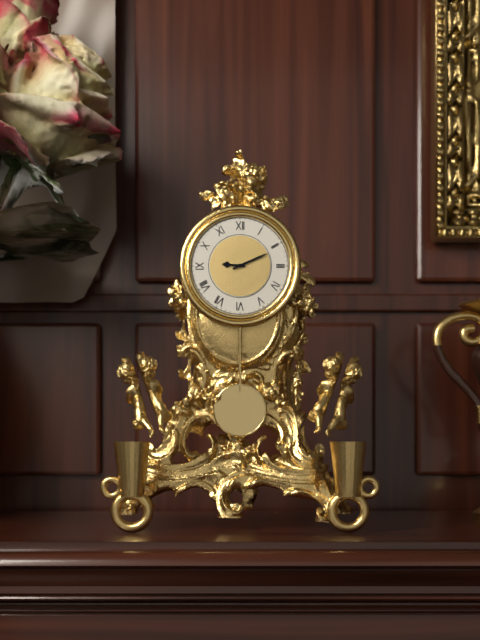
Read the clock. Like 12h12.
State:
9h11
